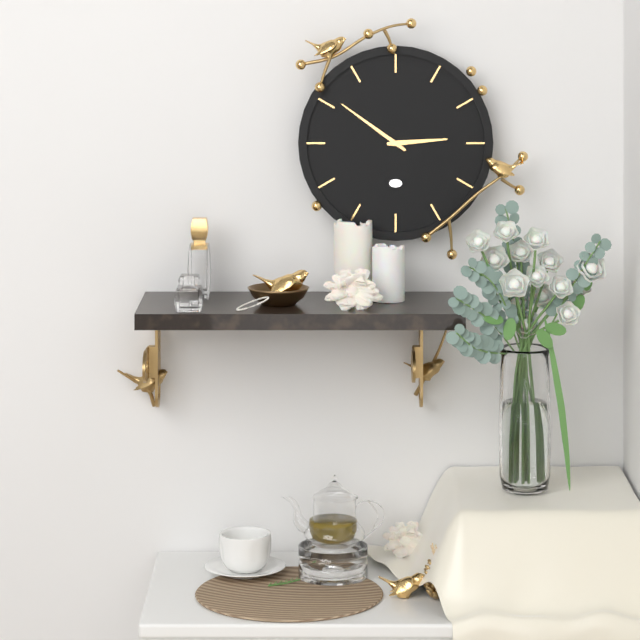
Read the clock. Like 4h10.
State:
2h51
